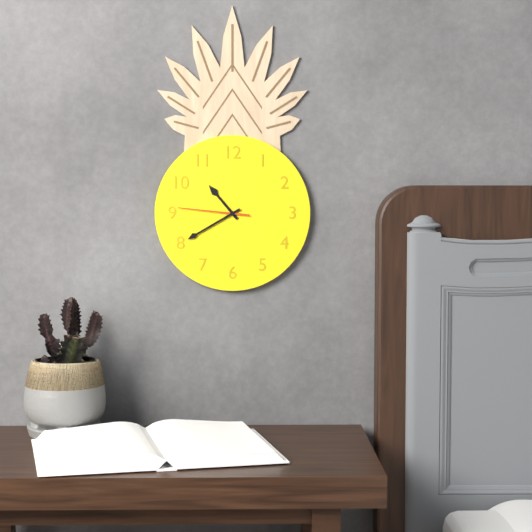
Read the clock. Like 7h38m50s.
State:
10h40m46s
